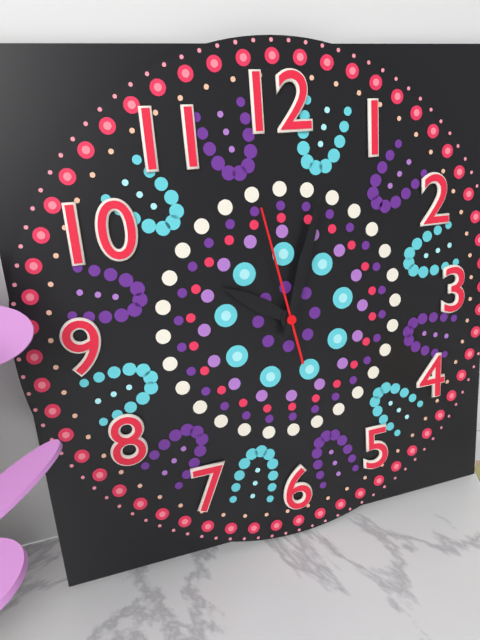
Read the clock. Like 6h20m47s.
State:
10h03m58s
